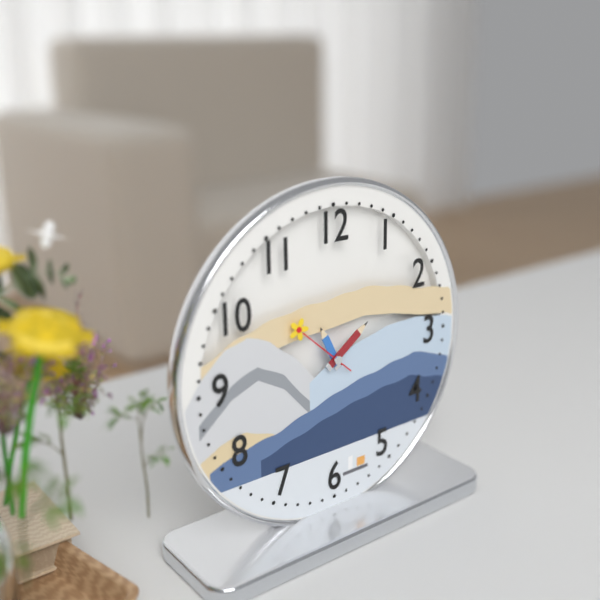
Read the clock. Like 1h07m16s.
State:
11h09m52s
